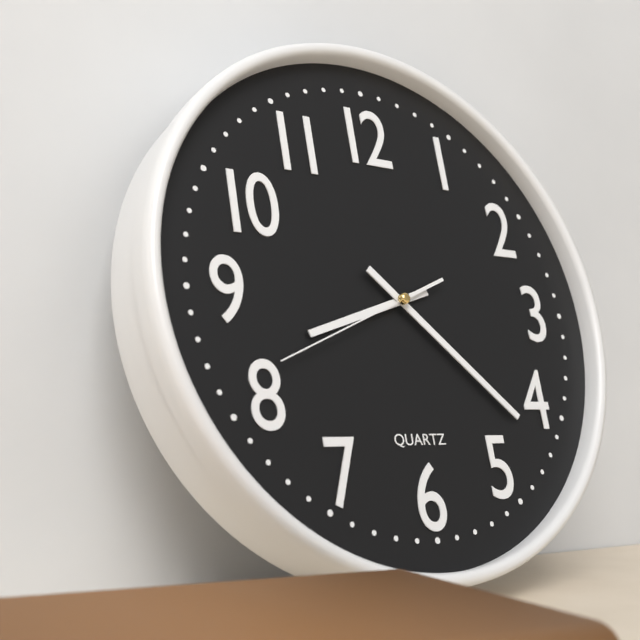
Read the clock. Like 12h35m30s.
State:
8h22m41s
